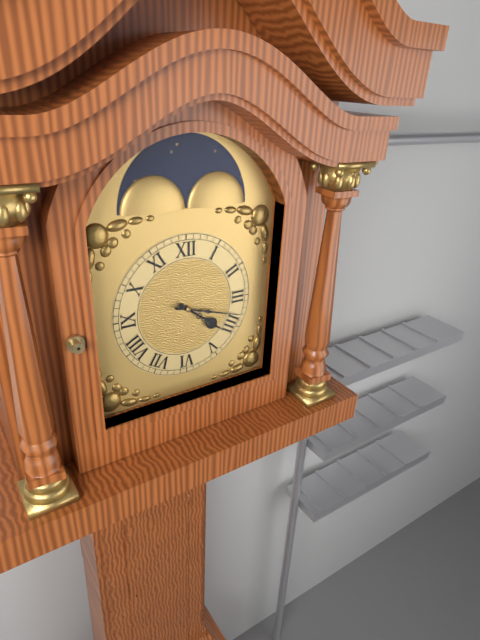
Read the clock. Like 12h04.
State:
4h18
